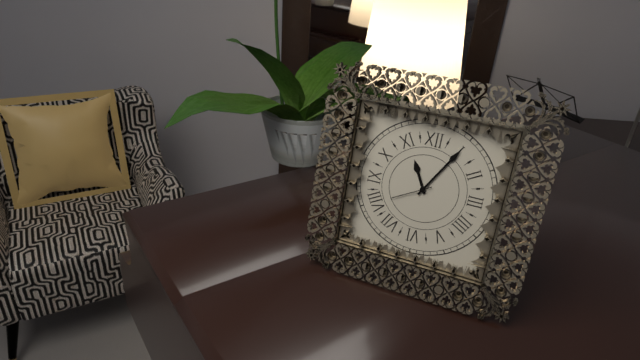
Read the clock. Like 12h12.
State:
11h05
